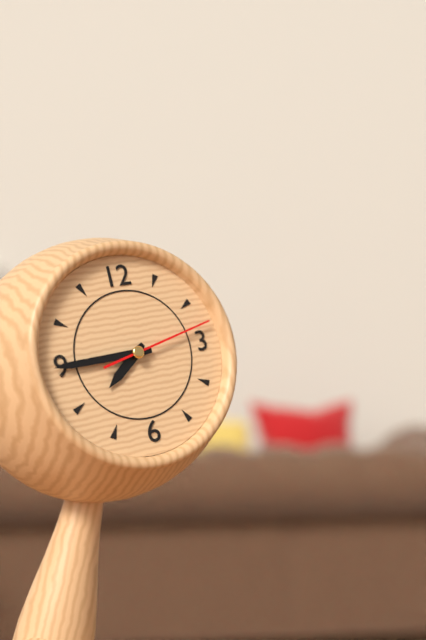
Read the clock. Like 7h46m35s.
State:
7h45m13s
